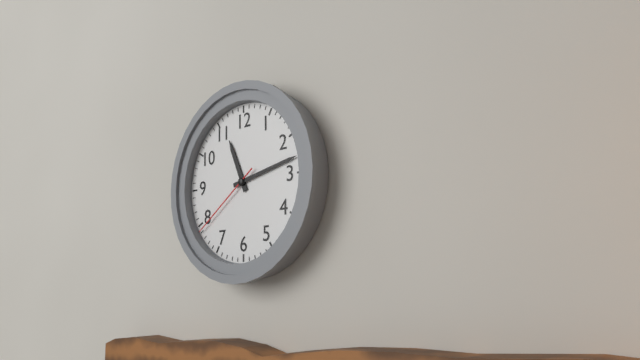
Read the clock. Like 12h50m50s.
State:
11h13m39s
